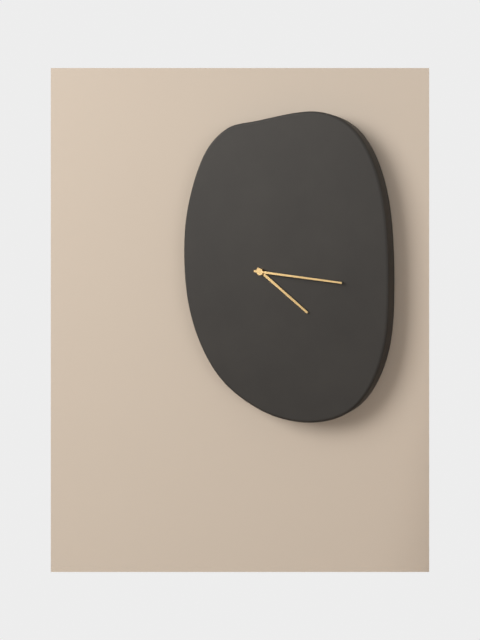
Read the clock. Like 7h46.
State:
4h16
